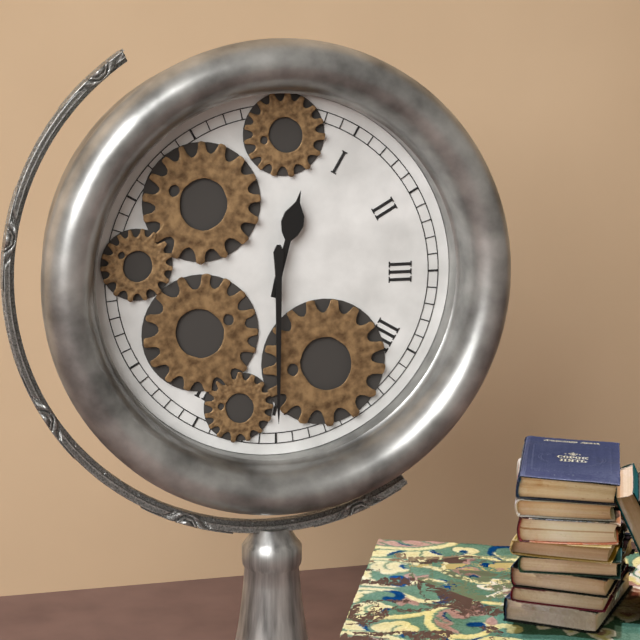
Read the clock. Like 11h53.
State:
12h30
